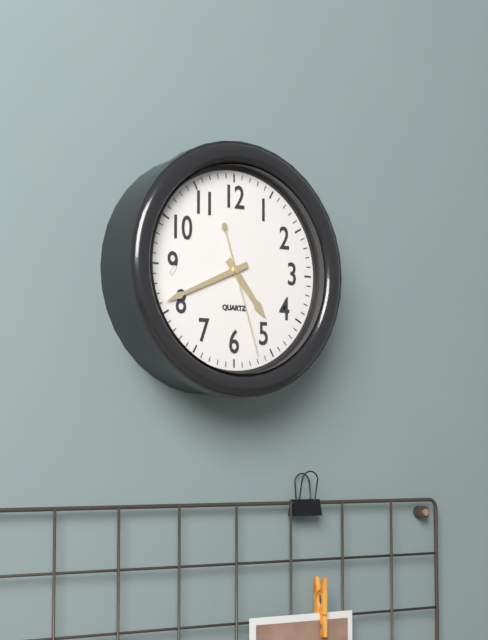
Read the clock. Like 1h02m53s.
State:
4h41m27s
